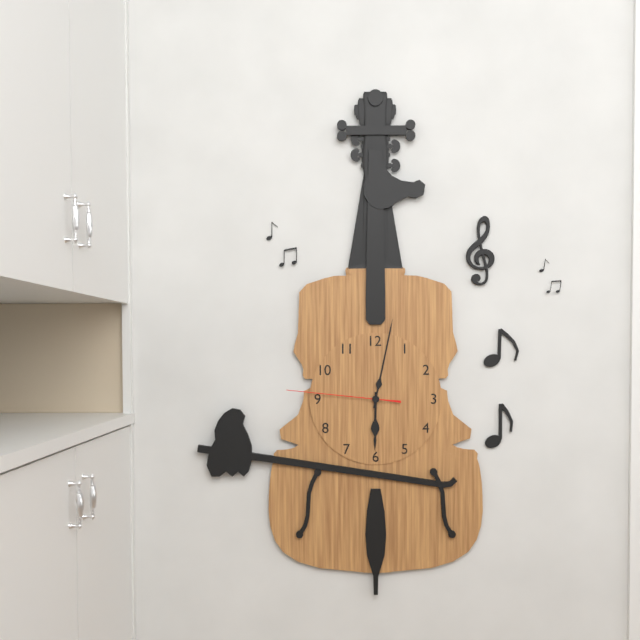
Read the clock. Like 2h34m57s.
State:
6h02m46s
